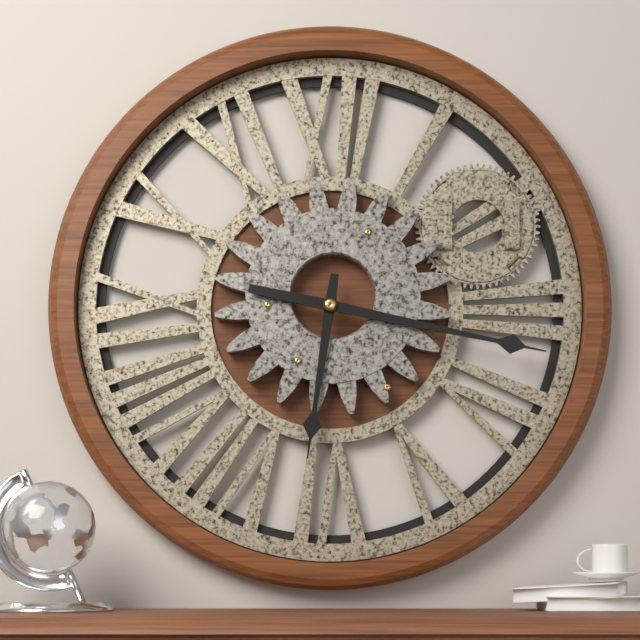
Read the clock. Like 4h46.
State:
6h17
